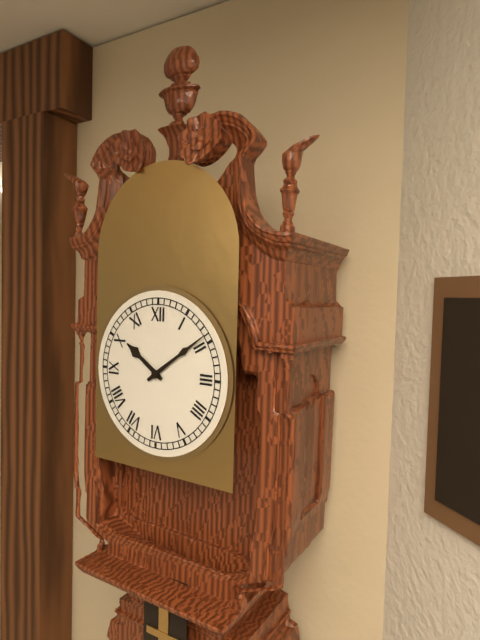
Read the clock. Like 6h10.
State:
10h09
